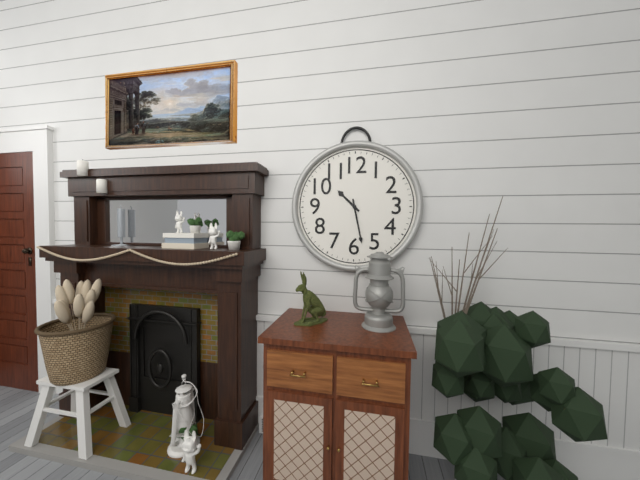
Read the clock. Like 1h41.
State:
10h28
